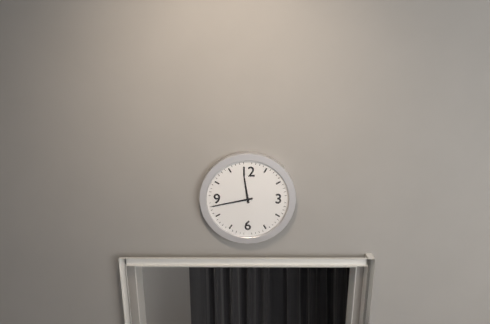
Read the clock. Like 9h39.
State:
11h43
